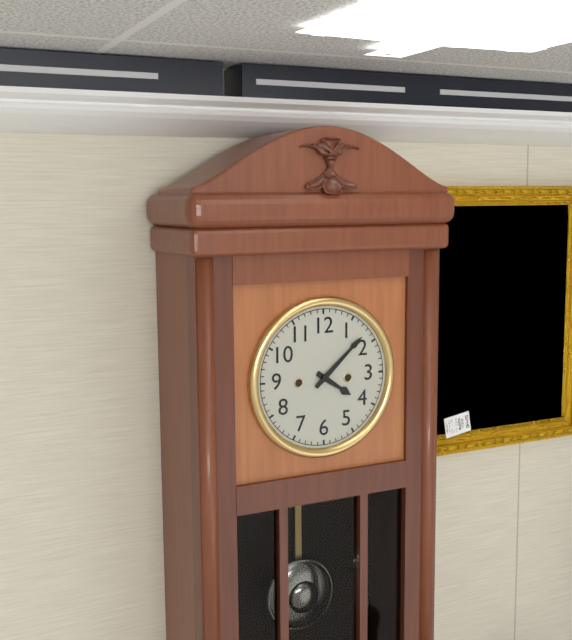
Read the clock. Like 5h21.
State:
4h08
